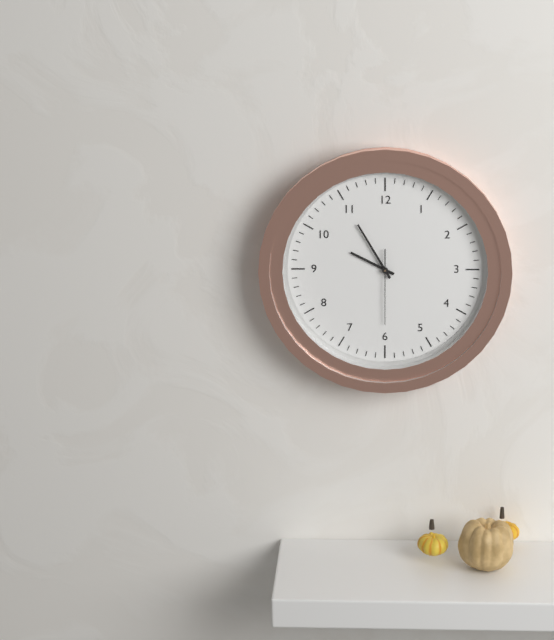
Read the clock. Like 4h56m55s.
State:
9h55m30s
